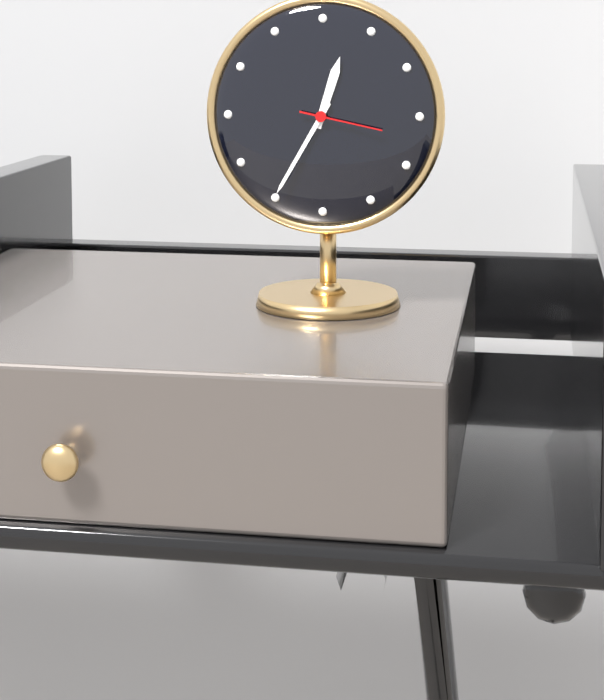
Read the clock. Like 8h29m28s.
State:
12h35m17s
